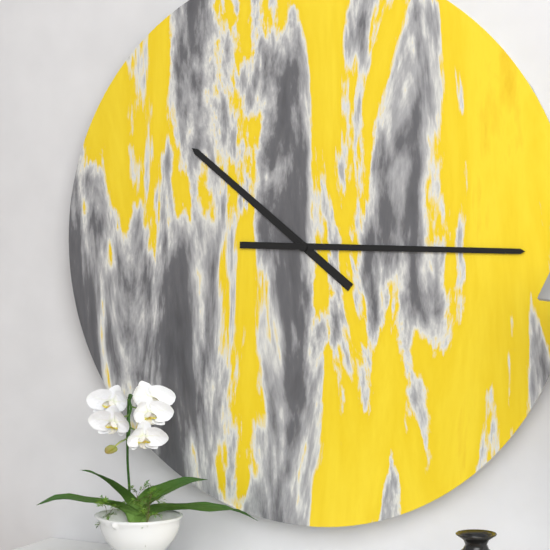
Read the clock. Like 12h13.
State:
10h15
